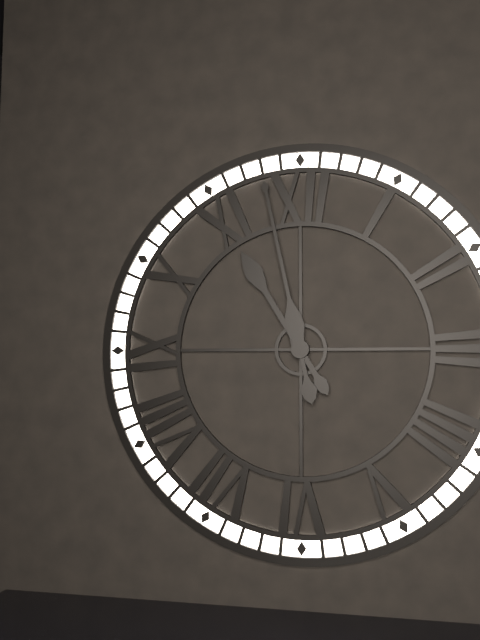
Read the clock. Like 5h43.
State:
10h58
